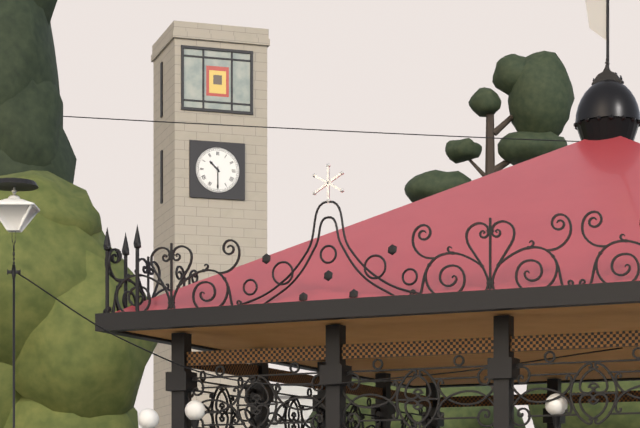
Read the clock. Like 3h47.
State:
10h30
